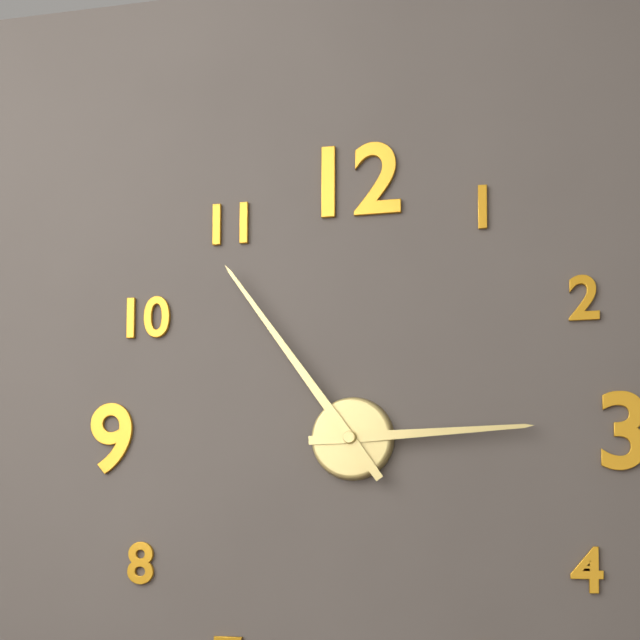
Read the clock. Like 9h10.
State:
2h54
